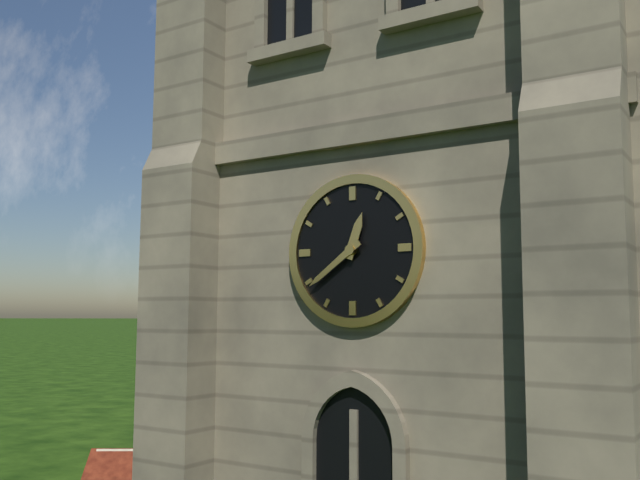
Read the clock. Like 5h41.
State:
12h39
